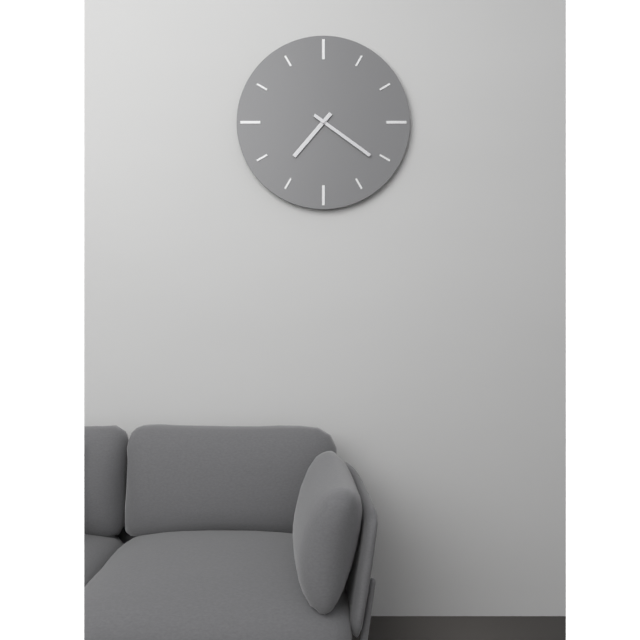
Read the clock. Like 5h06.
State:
7h21
